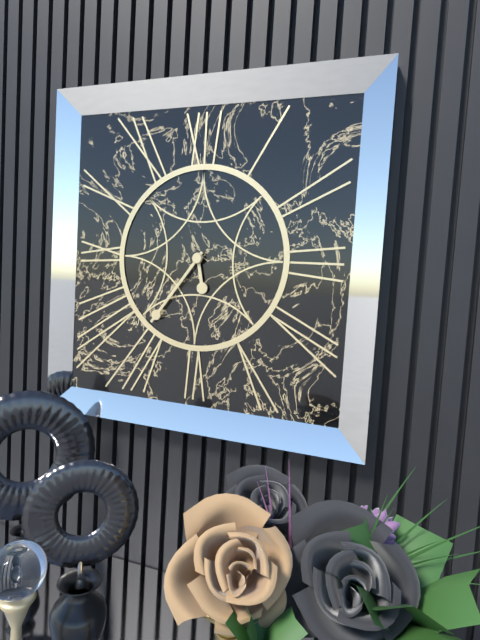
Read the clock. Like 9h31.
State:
5h36
